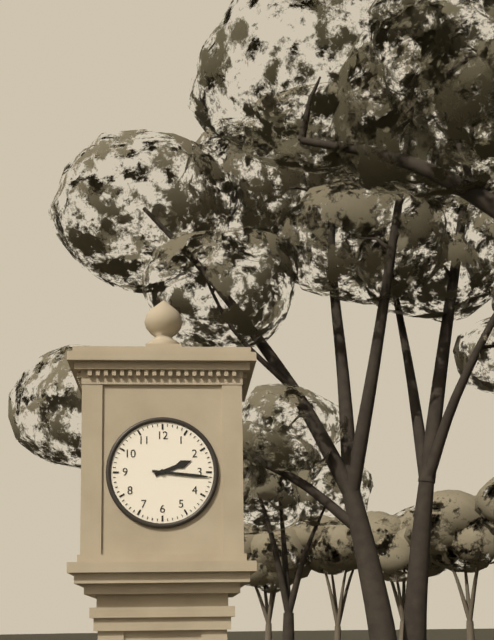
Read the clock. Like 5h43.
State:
2h16
